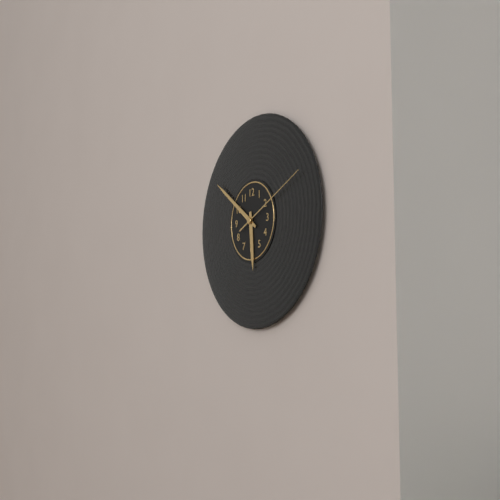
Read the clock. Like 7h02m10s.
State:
5h51m11s
